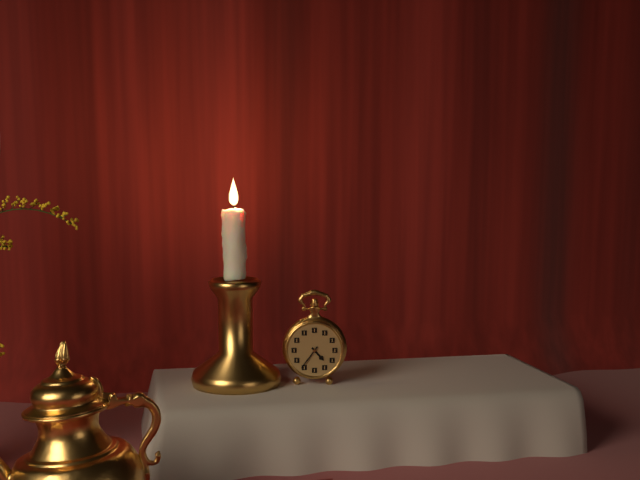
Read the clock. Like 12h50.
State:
4h36
